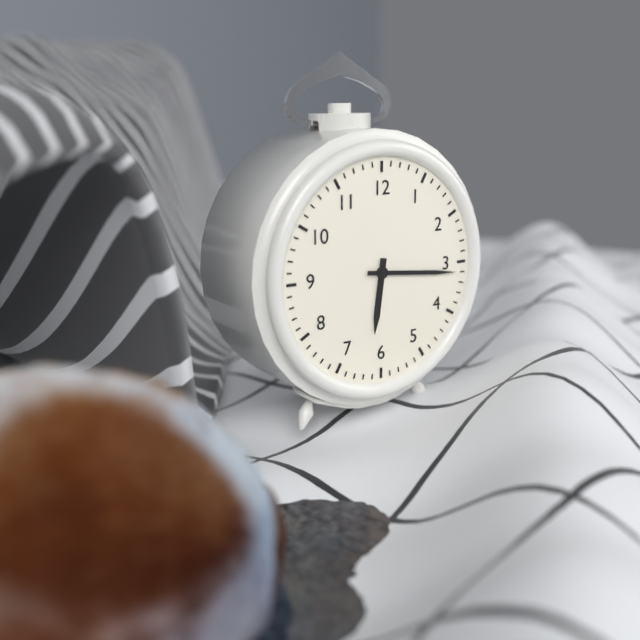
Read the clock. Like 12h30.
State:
6h16
